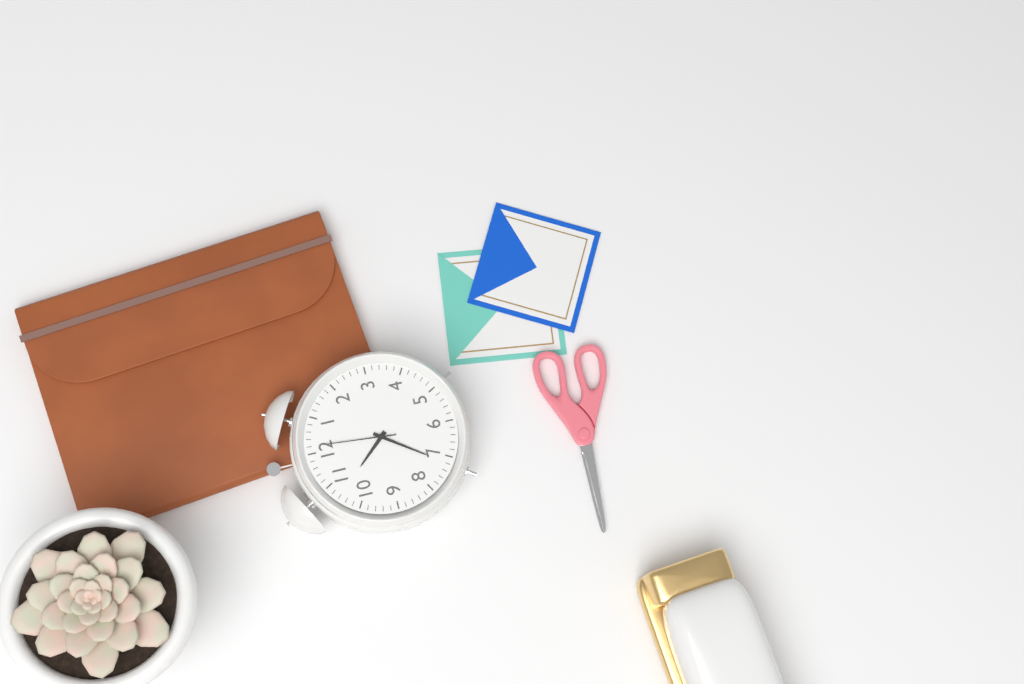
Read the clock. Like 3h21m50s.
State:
10h36m01s
